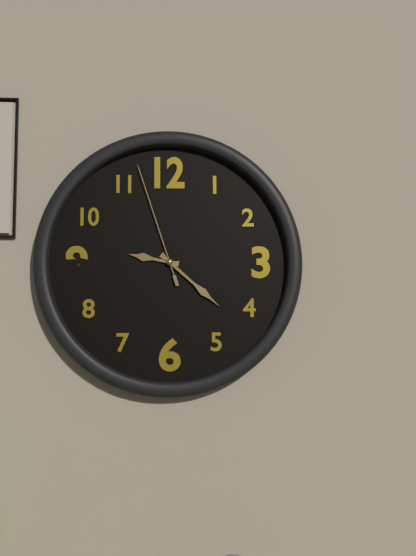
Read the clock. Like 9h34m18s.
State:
9h22m57s
